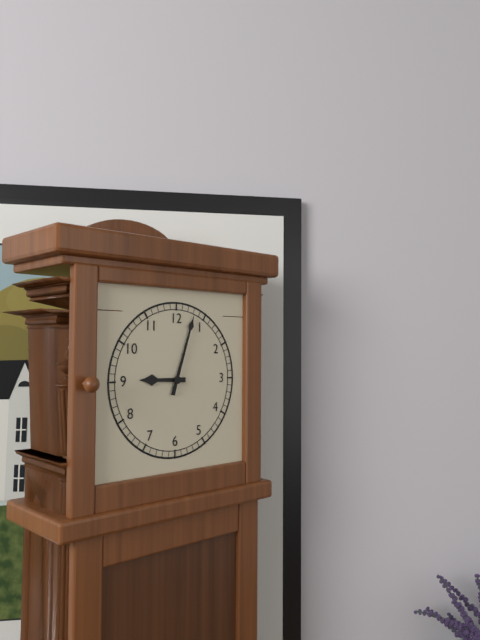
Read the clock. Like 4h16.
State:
9h03
